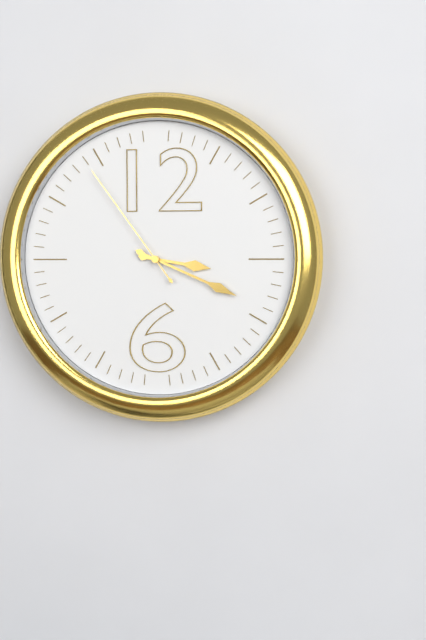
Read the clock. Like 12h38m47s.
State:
3h19m54s
